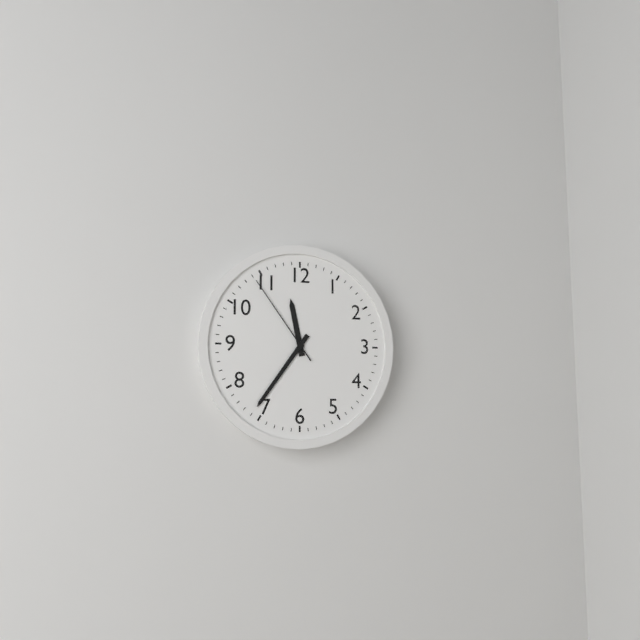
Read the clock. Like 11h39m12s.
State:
11h36m54s
